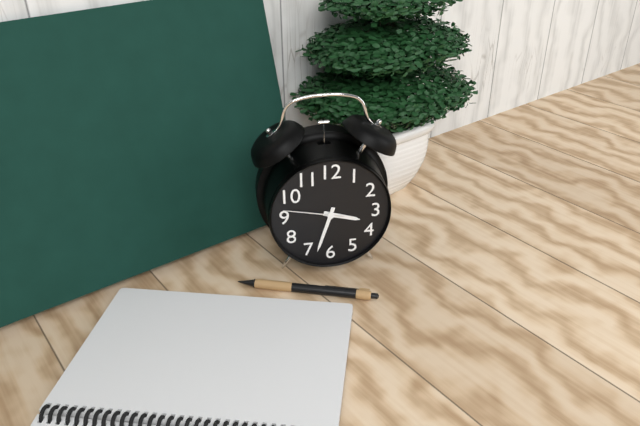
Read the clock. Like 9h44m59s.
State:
3h33m47s
